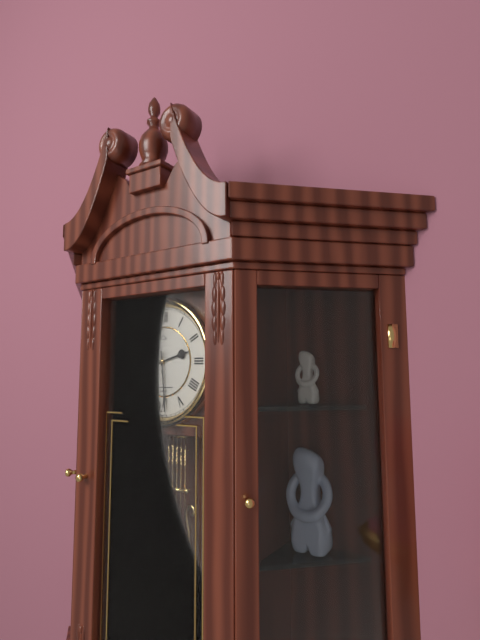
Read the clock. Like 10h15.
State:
2h29
